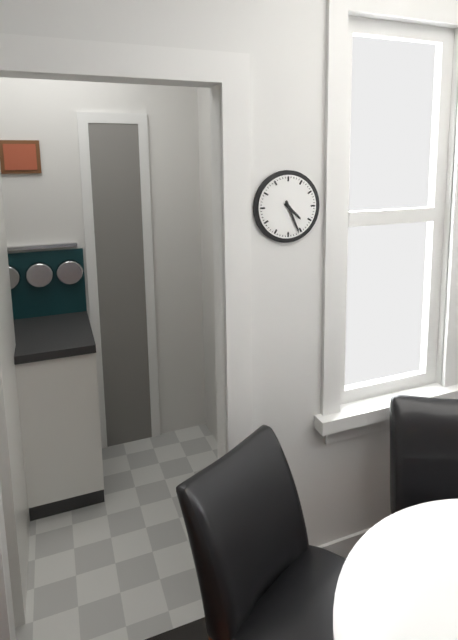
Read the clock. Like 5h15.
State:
4h26
